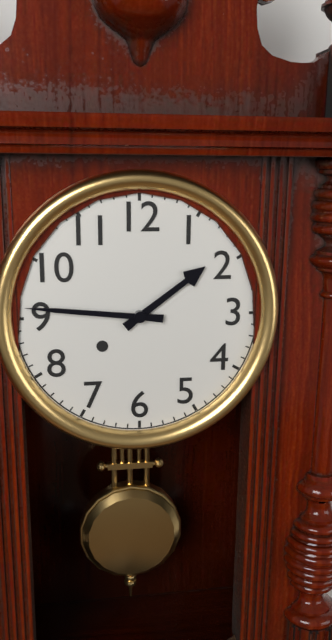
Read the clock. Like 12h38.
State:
1h46
